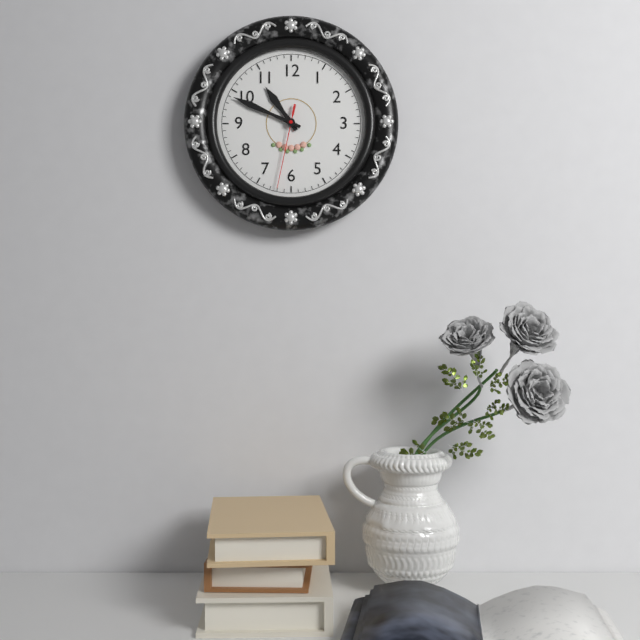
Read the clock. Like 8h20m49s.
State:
10h49m32s
